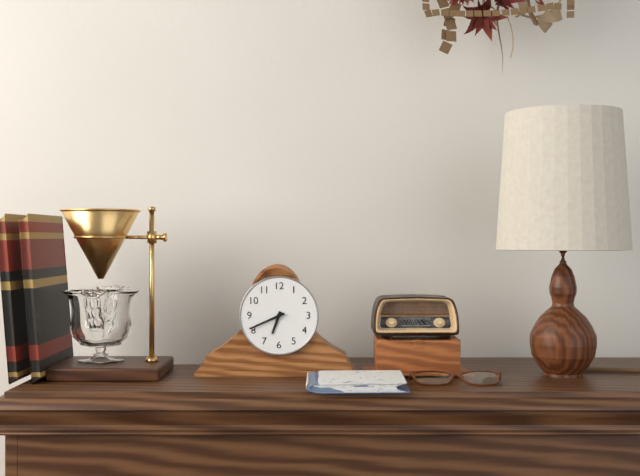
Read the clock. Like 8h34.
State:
6h41
